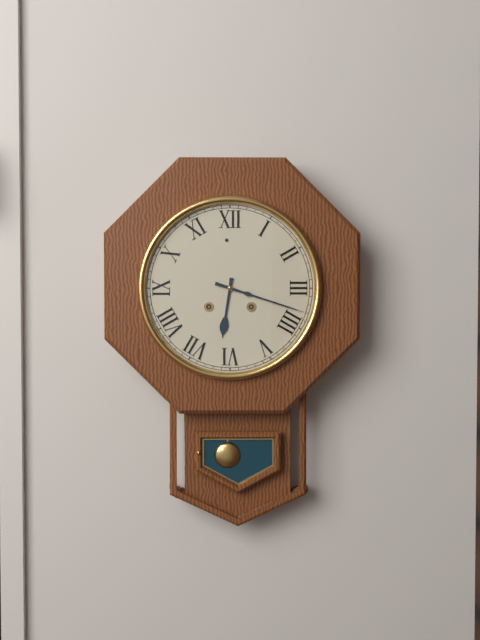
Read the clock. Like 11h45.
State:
6h18
